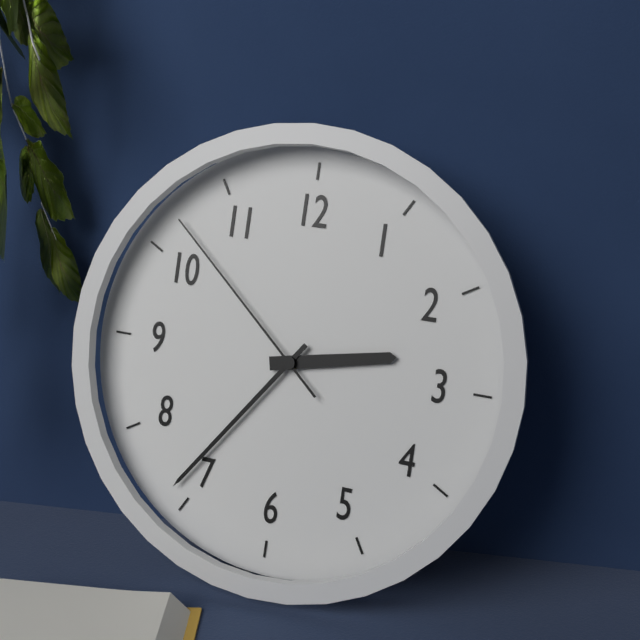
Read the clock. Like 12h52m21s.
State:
2h36m52s
